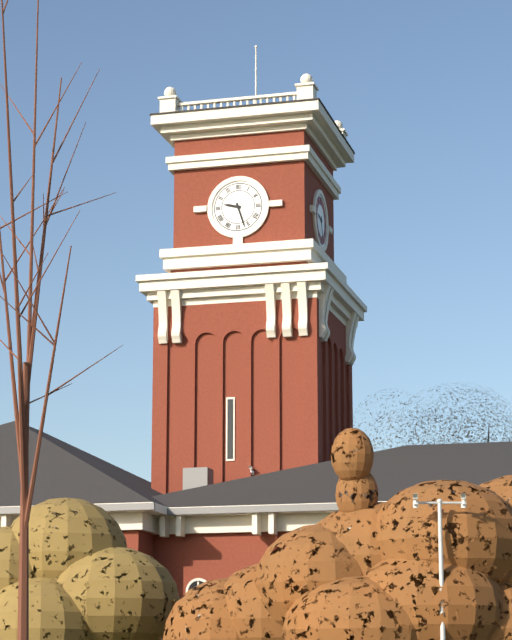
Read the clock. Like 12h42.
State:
9h27
